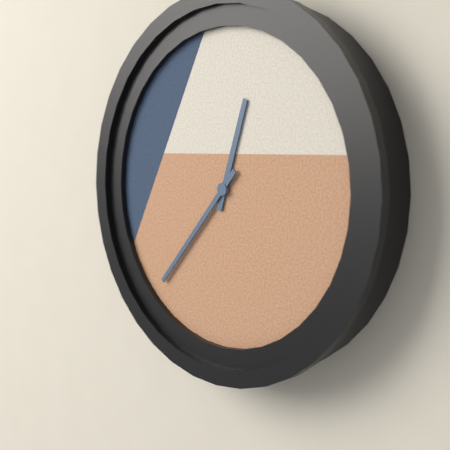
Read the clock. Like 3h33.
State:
12h37
